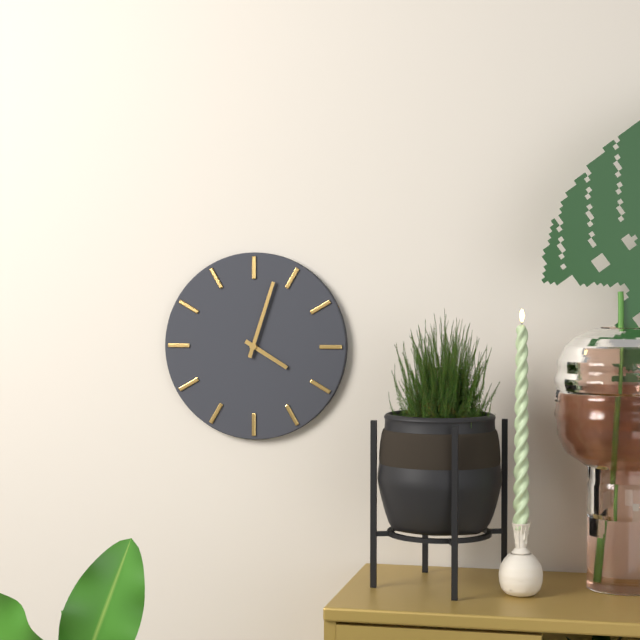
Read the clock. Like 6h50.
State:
4h03
